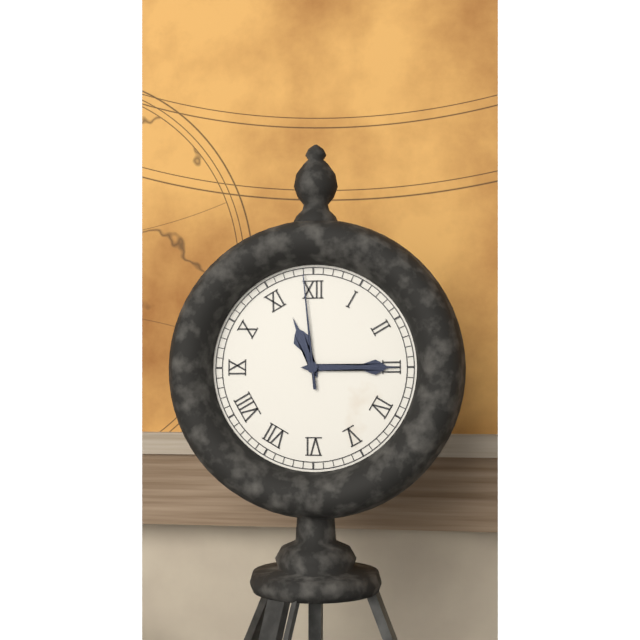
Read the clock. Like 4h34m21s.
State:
11h15m59s
